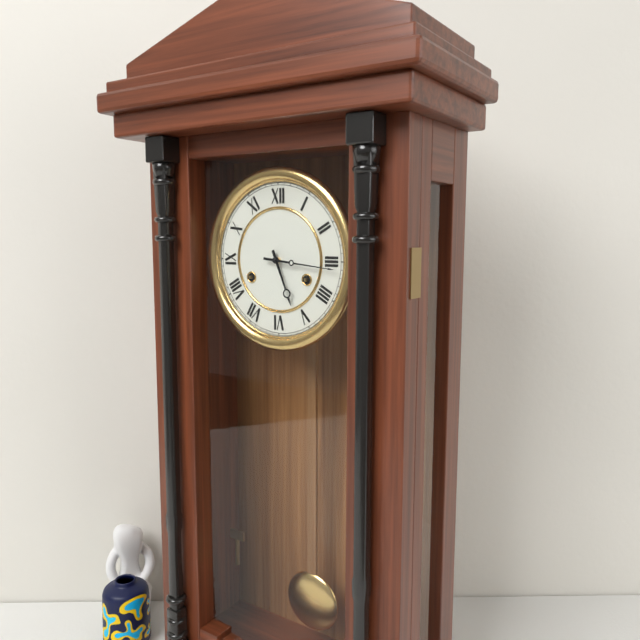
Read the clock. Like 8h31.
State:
5h16
